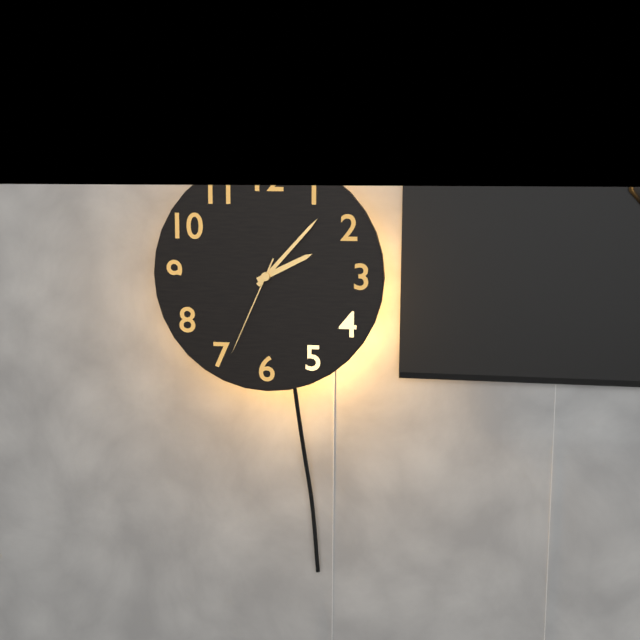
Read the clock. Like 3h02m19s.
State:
2h07m34s
